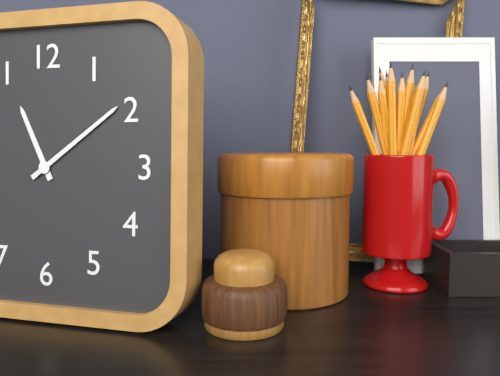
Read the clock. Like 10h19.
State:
11h09
